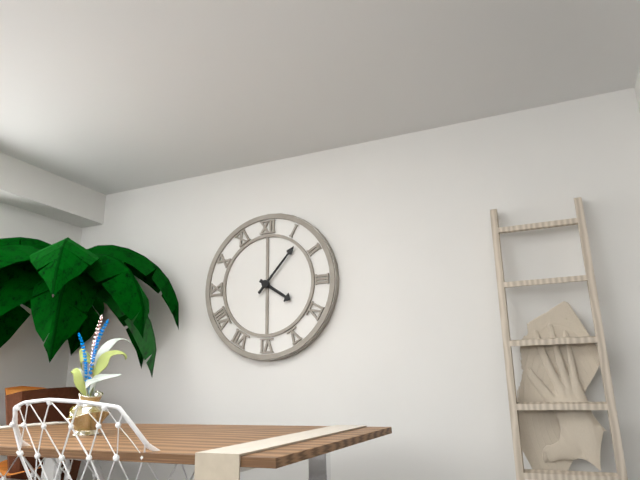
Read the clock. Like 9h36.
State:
4h07
